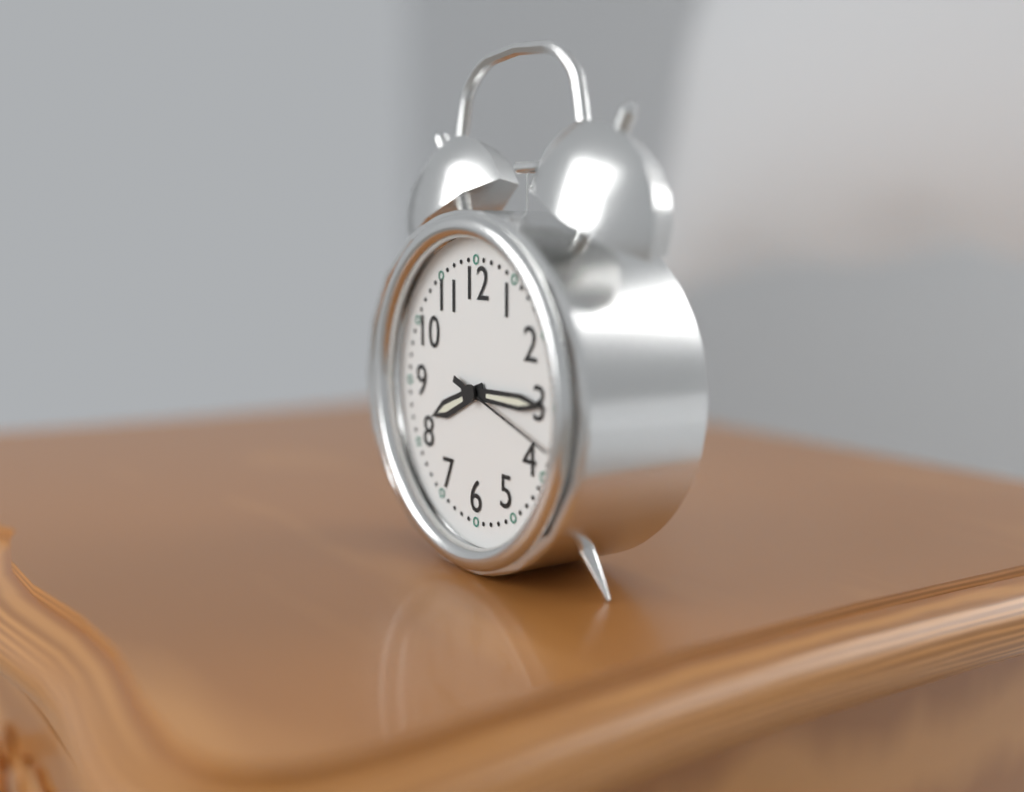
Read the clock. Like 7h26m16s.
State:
8h15m18s
